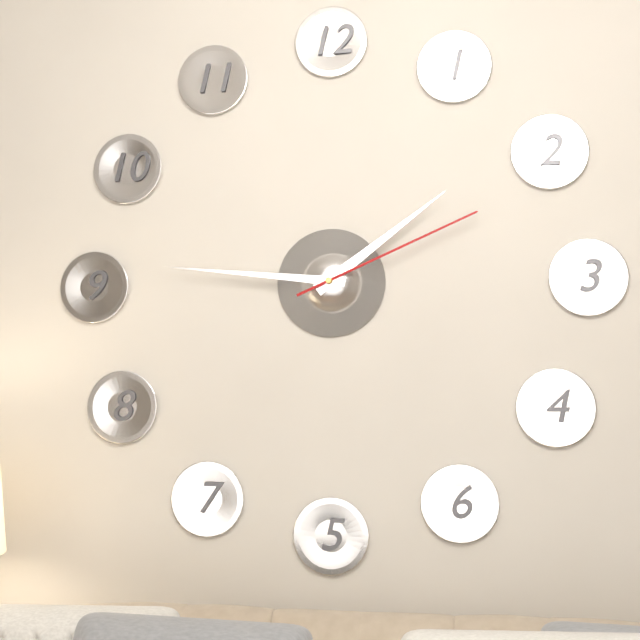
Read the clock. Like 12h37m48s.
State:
1h46m11s
